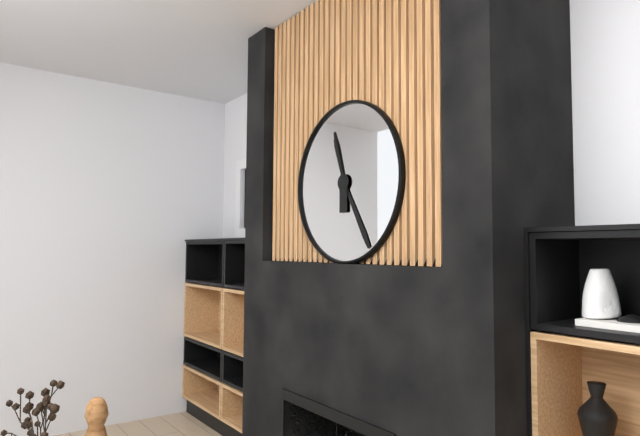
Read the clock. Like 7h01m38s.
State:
11h25m57s
